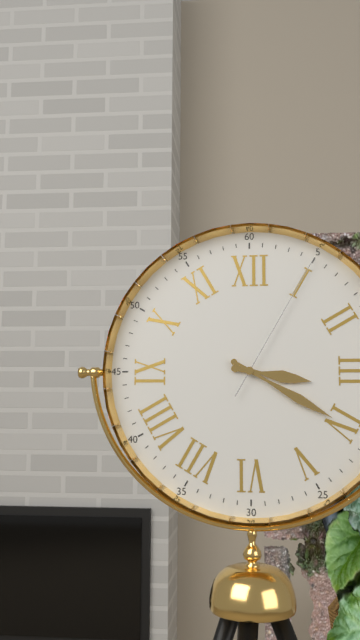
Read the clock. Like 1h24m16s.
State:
3h20m05s
